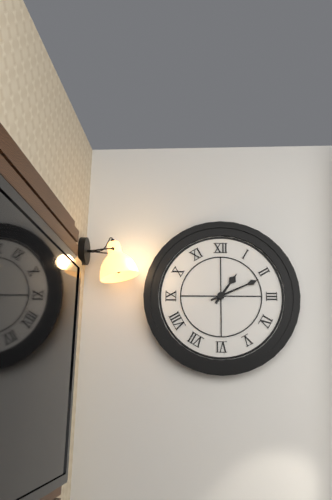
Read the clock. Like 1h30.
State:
1h11
